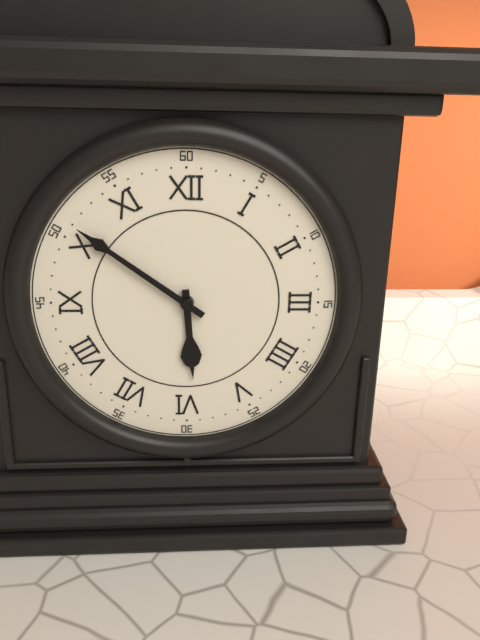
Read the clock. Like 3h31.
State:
5h51
